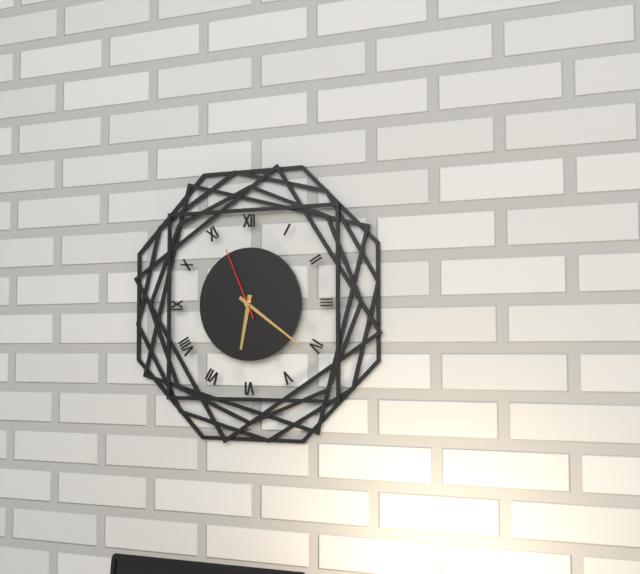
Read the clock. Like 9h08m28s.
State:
6h21m56s
